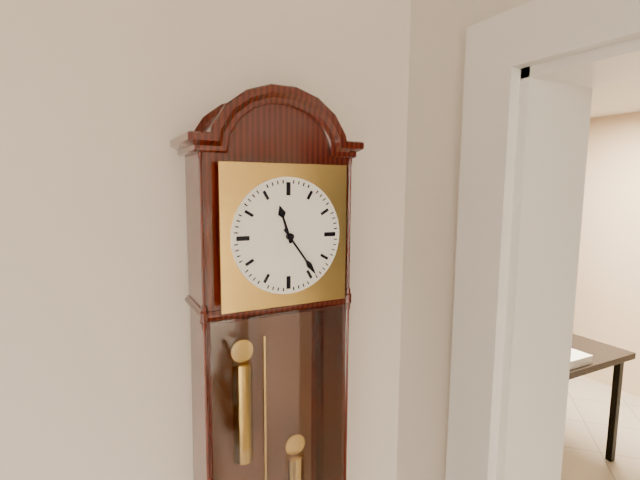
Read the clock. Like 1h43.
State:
11h24
